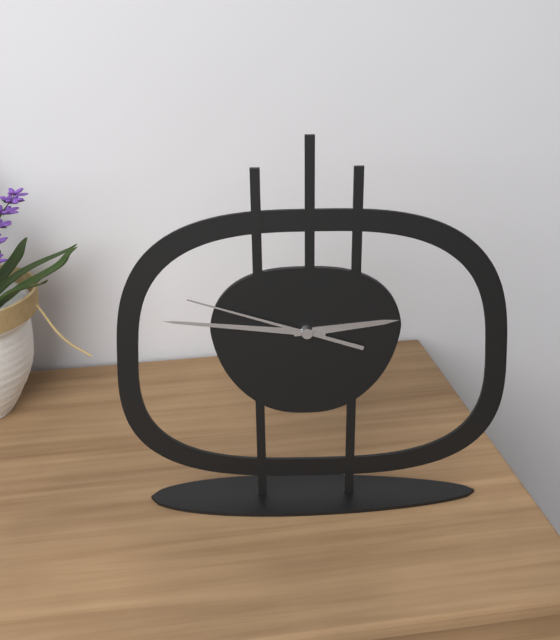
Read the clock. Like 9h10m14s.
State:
2h46m48s
